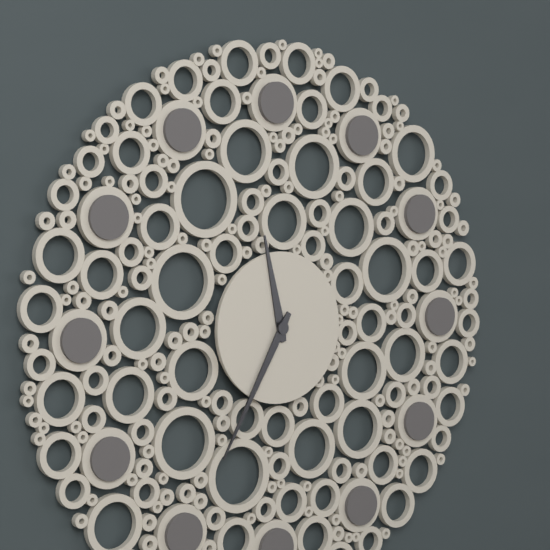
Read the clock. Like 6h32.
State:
11h35
